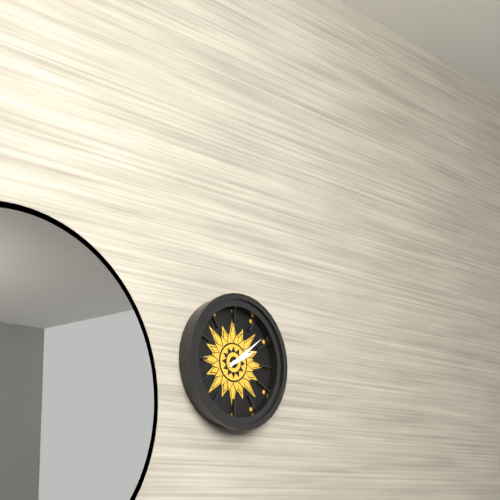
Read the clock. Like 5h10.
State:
2h09
